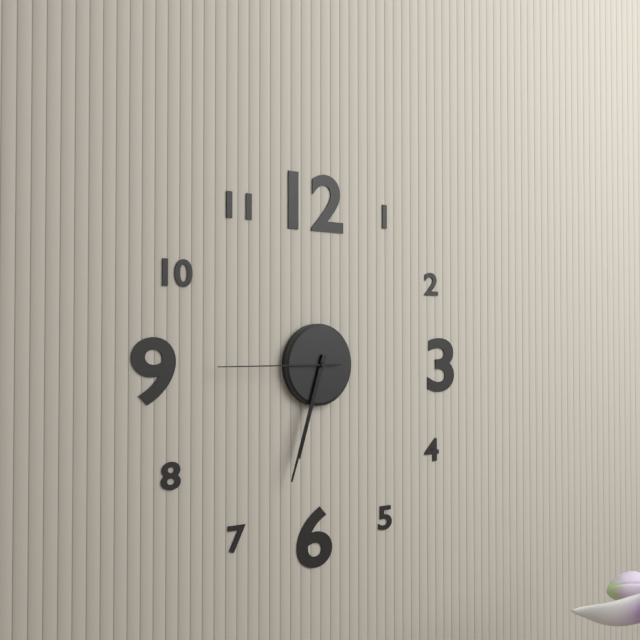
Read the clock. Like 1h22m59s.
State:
6h33m45s
